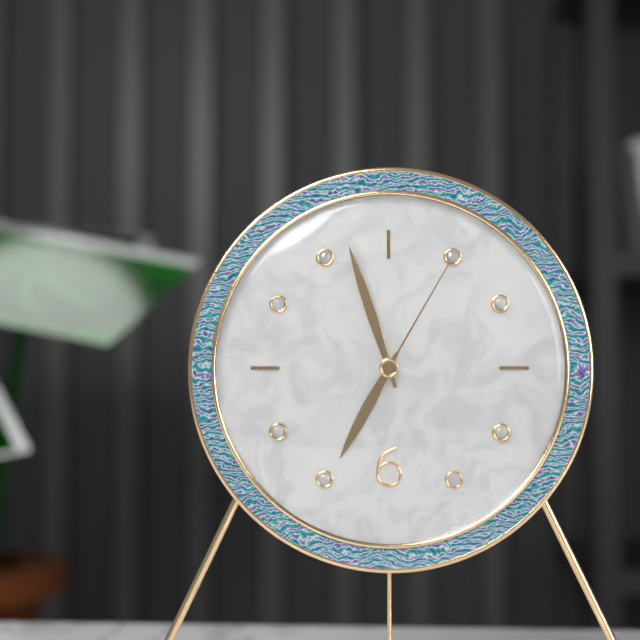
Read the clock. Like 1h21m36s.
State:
6h57m05s
